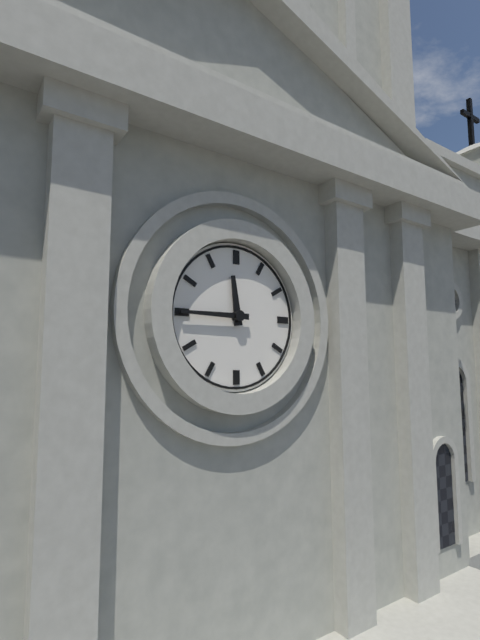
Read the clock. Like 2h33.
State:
11h45
